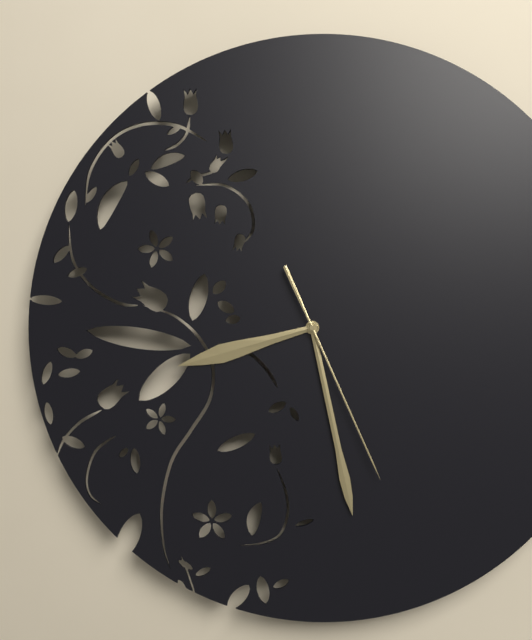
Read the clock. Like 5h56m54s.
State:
8h28m26s
